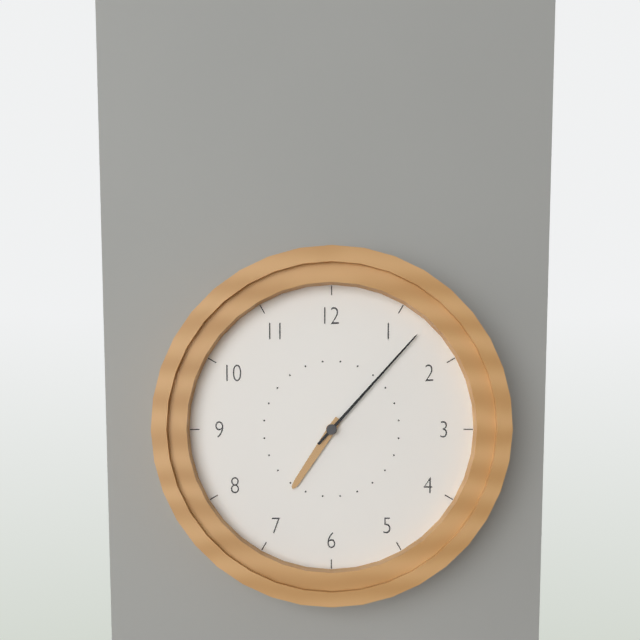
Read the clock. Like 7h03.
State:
7h07
